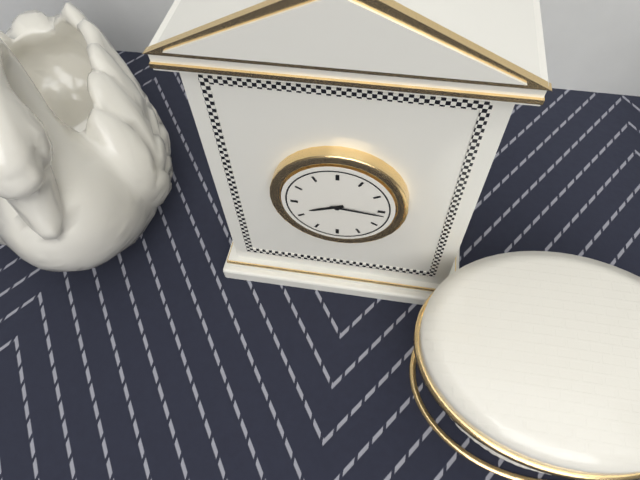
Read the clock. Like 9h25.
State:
8h16
